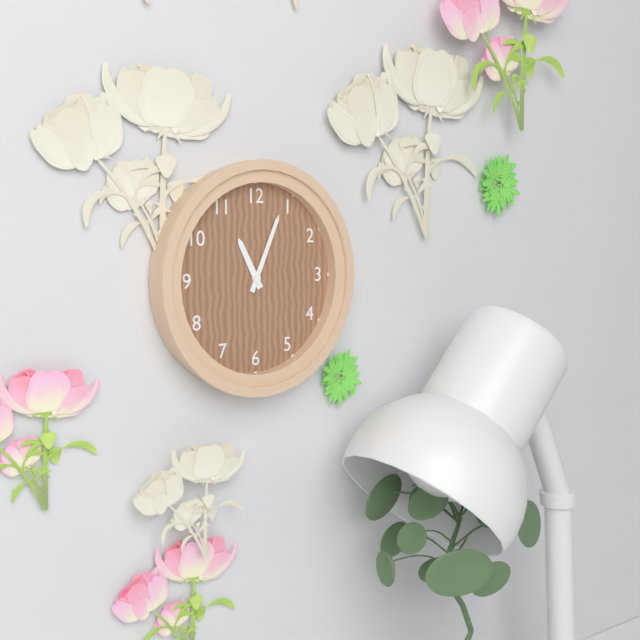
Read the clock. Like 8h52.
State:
11h04
